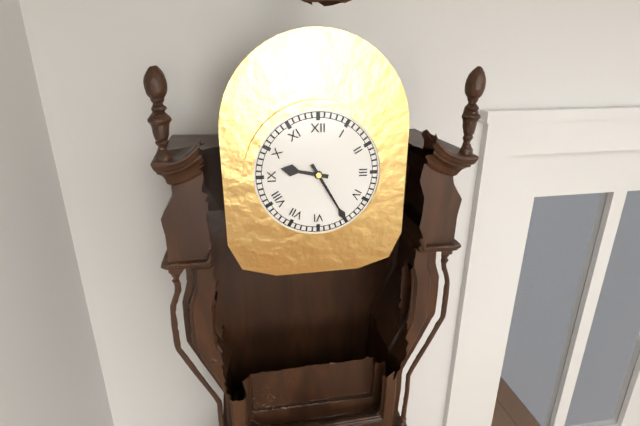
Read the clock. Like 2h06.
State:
9h25
